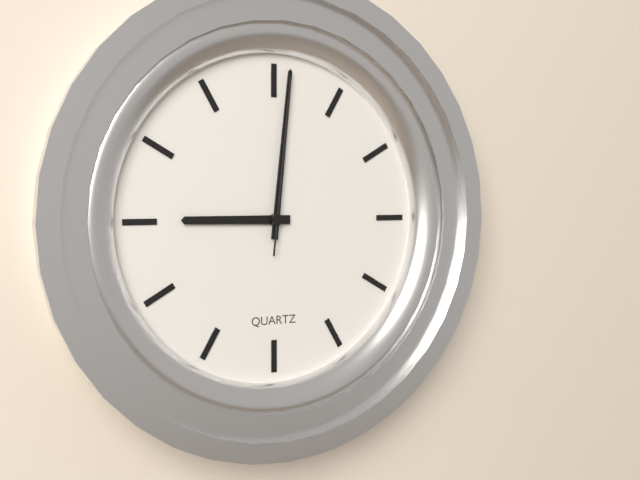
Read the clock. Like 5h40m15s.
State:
9h01m01s
